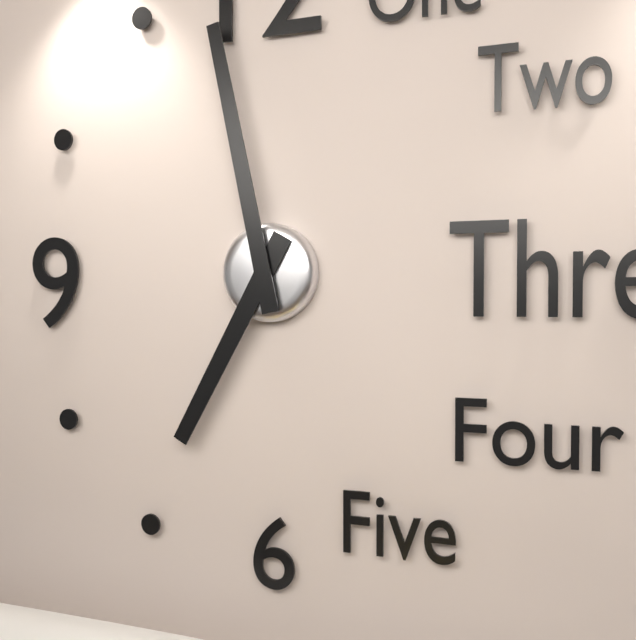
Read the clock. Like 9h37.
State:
6h58
